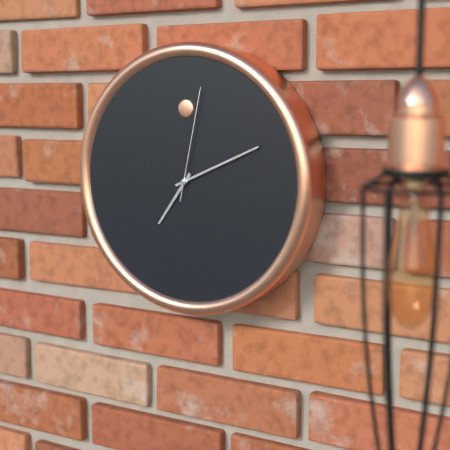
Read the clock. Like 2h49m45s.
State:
7h11m02s
